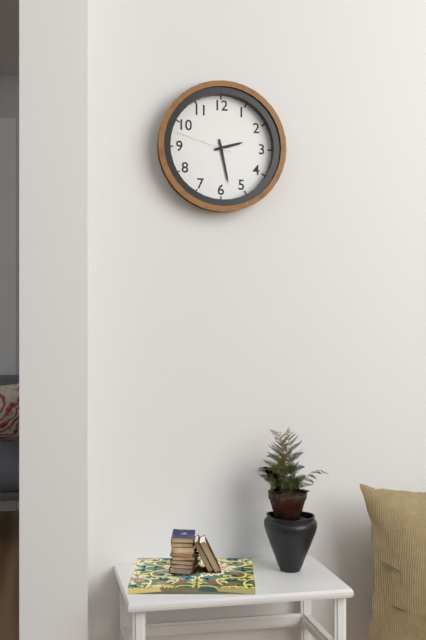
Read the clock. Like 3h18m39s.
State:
2h28m48s
